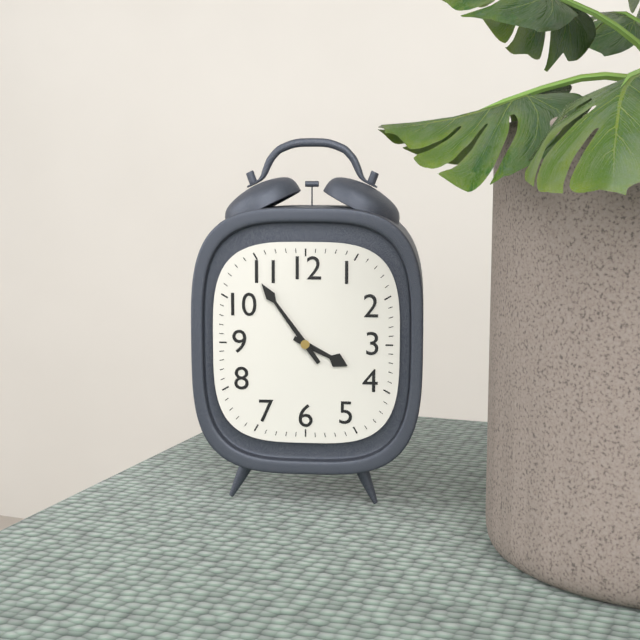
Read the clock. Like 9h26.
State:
3h54
